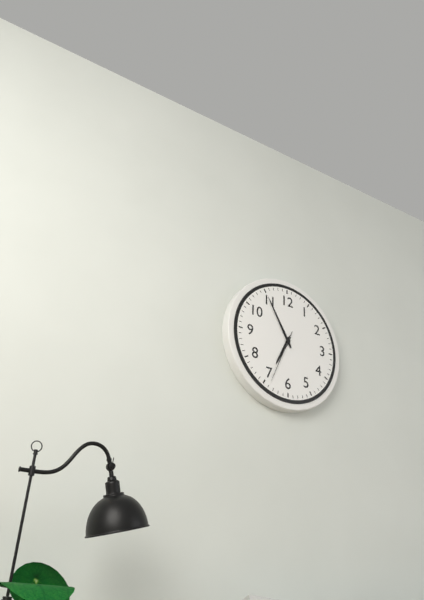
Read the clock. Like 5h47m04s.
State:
6h55m34s
